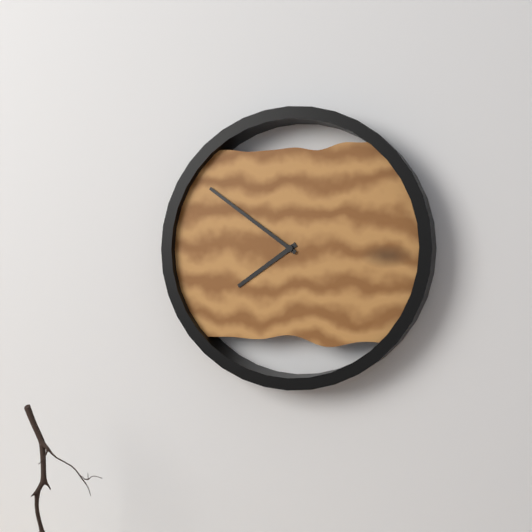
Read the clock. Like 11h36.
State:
7h51
